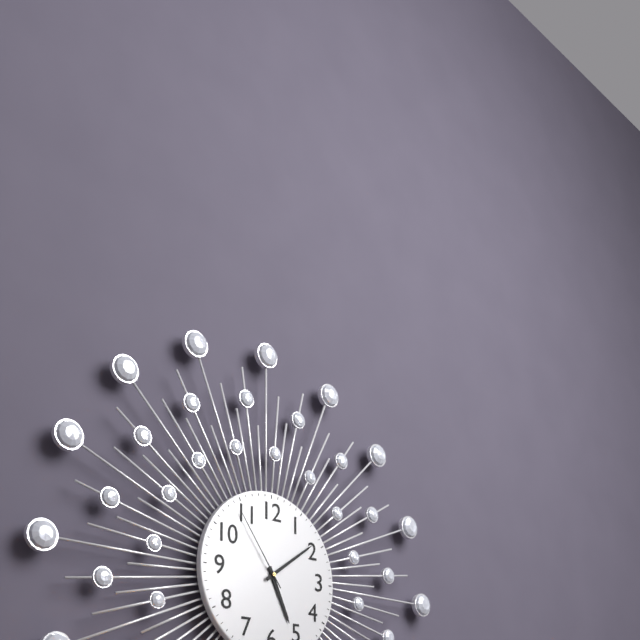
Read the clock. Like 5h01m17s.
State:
5h09m54s
